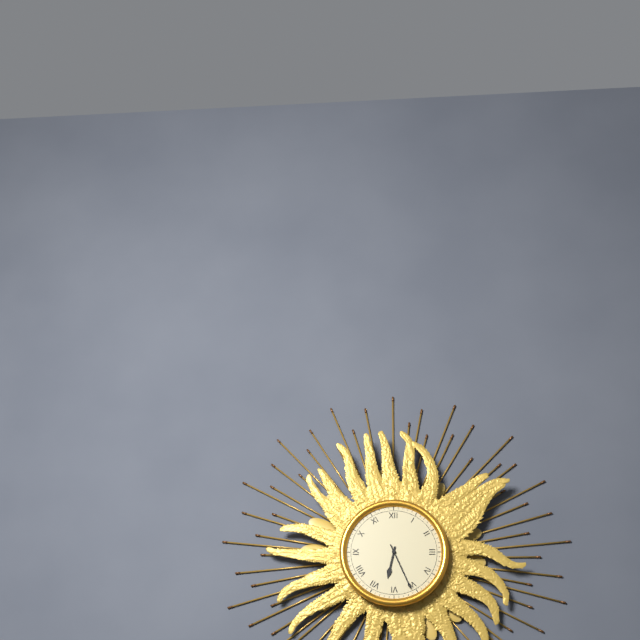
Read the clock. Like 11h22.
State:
6h26
